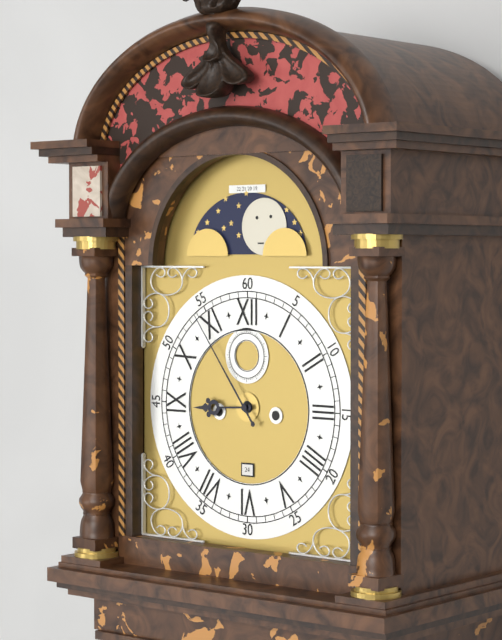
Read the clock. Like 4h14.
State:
8h54
